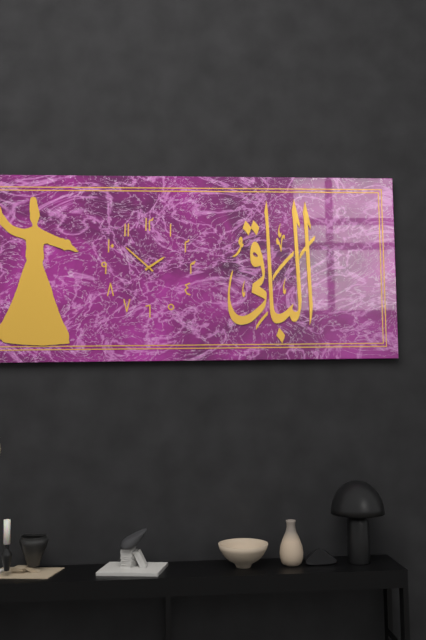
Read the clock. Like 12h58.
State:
1h52
